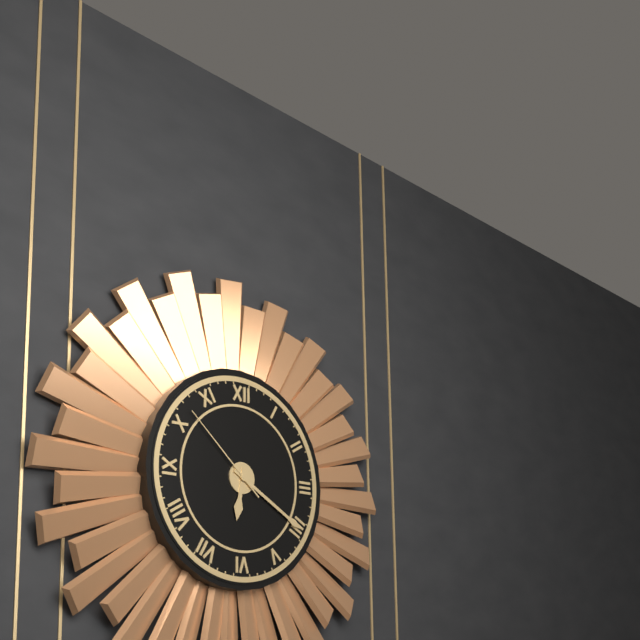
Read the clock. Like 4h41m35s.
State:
6h20m52s
